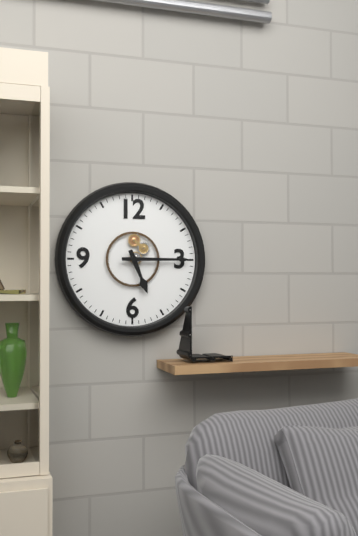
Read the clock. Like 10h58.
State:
5h15
